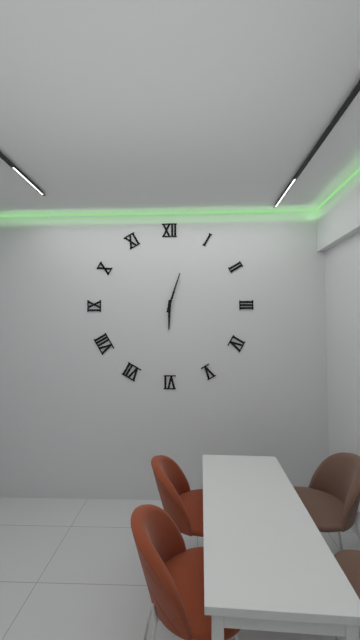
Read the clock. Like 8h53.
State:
6h03
